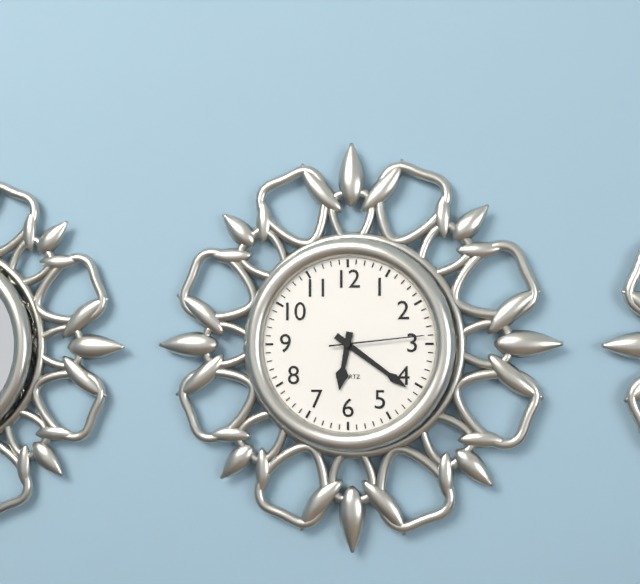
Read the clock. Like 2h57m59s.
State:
6h21m14s
